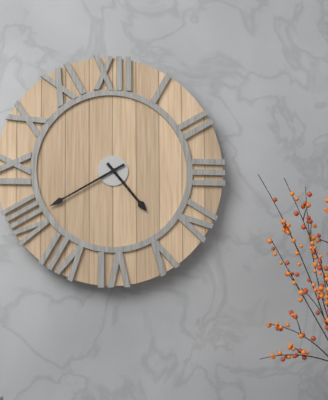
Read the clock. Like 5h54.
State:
4h40
